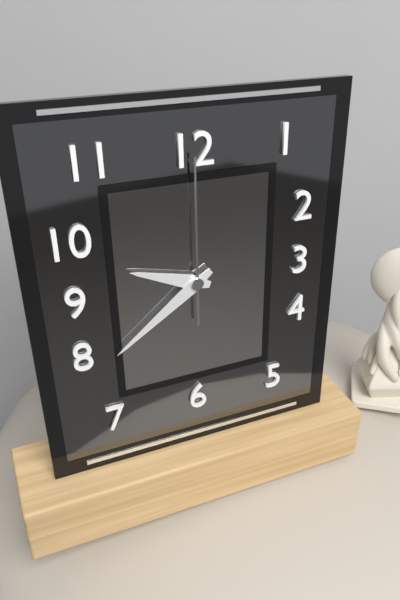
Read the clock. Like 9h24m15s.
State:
9h39m00s
